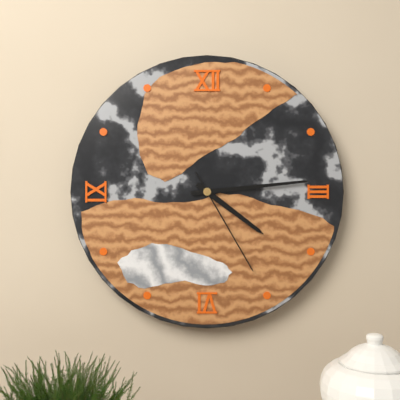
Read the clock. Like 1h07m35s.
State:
4h14m25s
